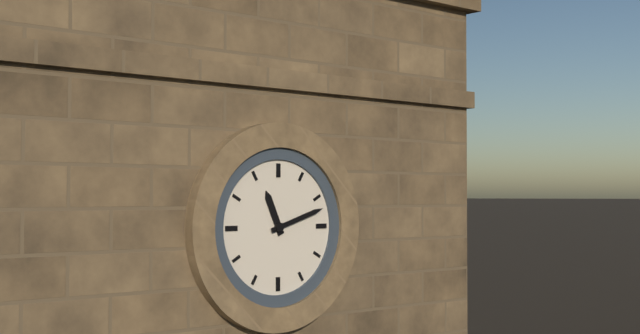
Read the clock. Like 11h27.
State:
11h12
